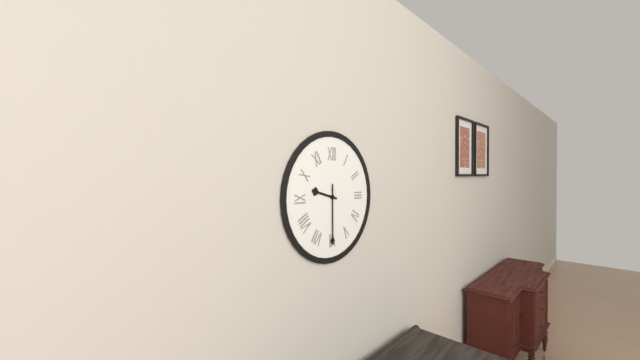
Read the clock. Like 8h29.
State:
9h30
